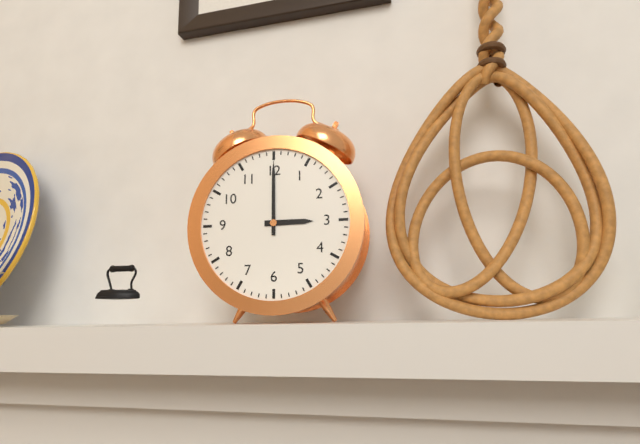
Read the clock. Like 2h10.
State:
3h00
